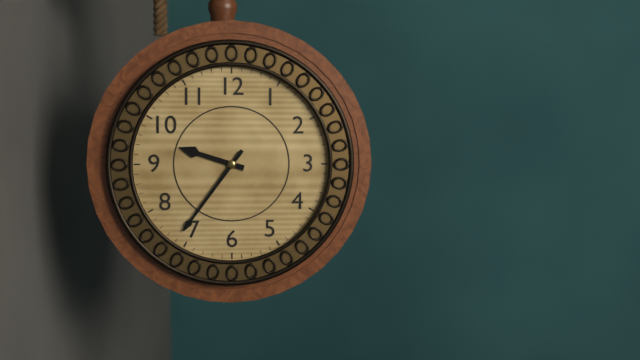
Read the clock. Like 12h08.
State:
9h36
